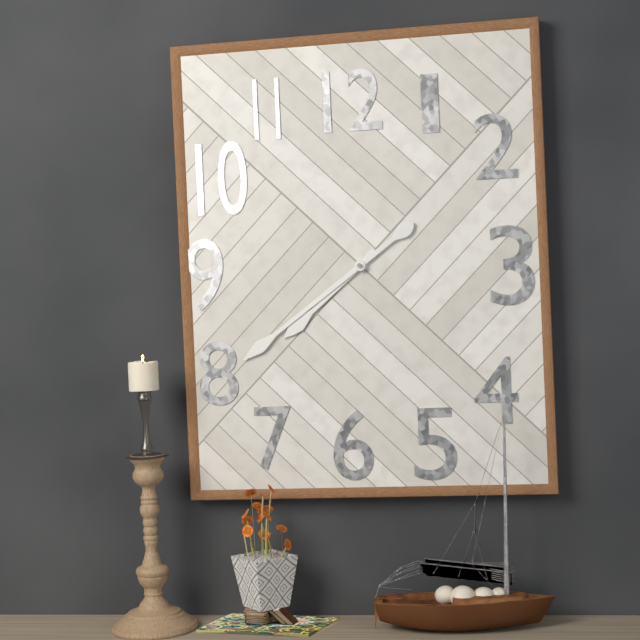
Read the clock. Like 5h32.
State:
7h39
